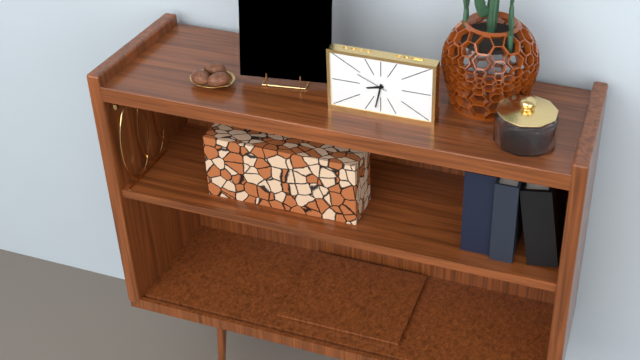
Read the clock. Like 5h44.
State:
8h32
